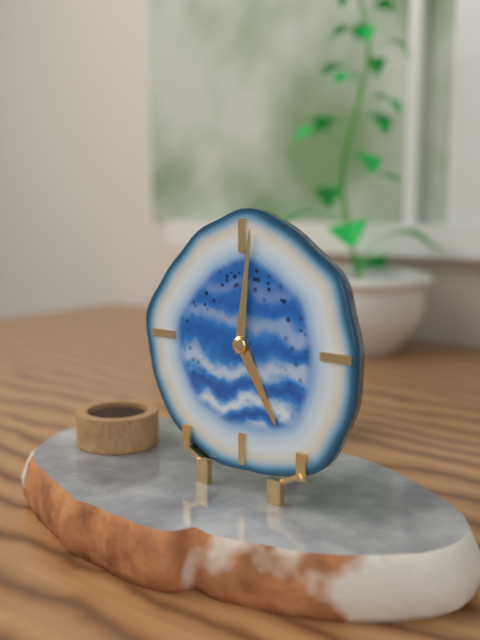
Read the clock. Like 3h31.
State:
5h01
